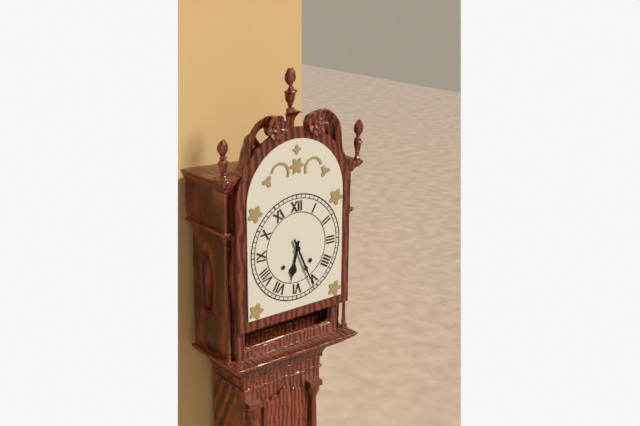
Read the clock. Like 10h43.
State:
6h26
